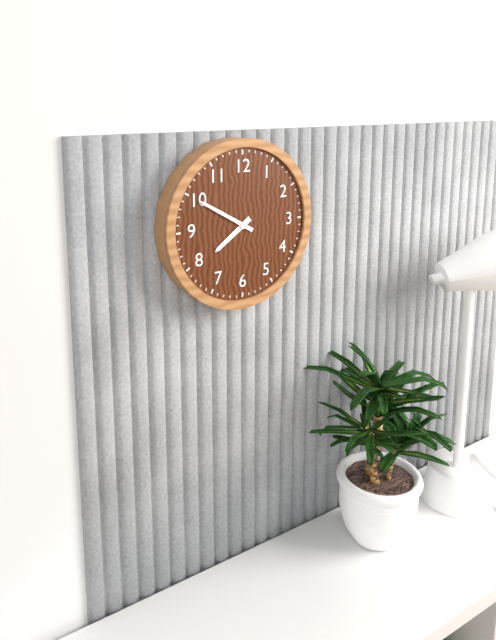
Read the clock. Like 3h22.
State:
7h50
